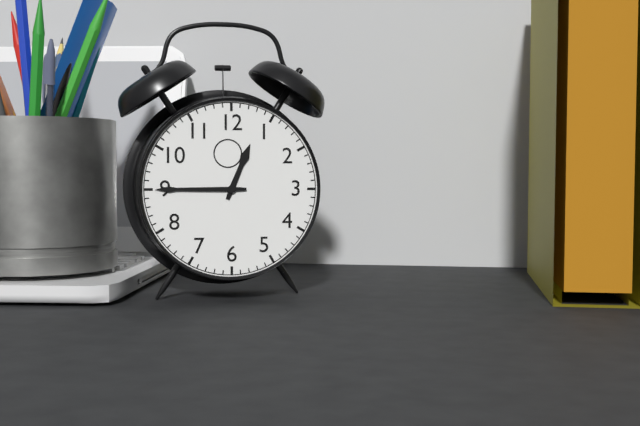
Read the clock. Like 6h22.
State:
12h45
